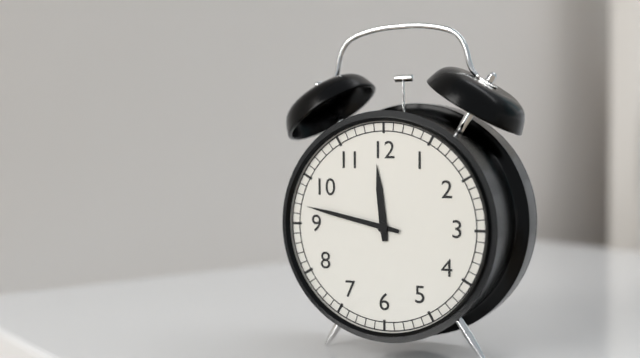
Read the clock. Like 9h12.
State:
11h47
